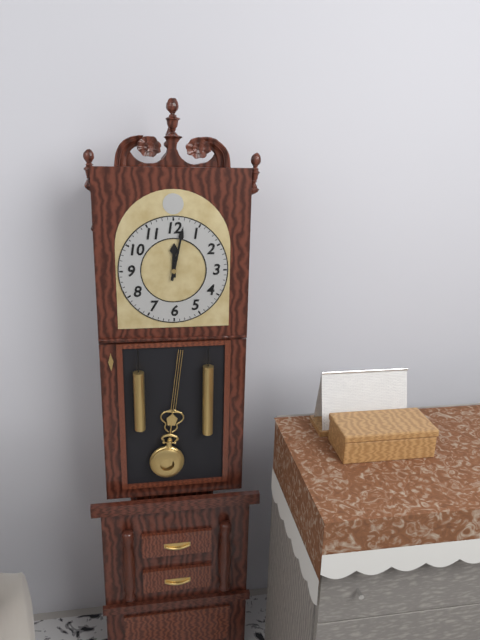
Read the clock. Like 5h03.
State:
12h02
